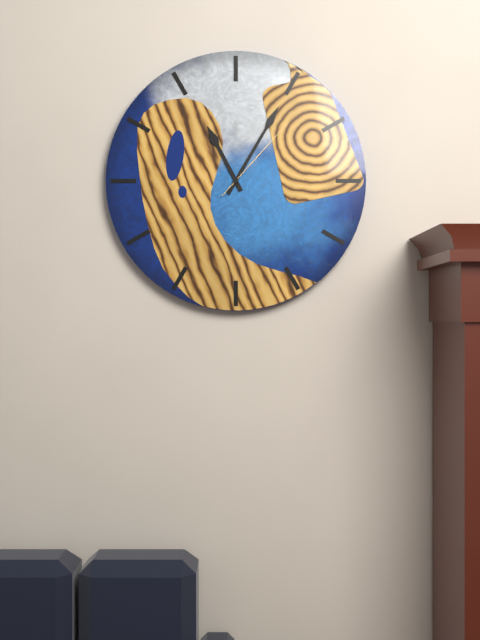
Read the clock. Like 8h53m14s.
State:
11h05m07s
